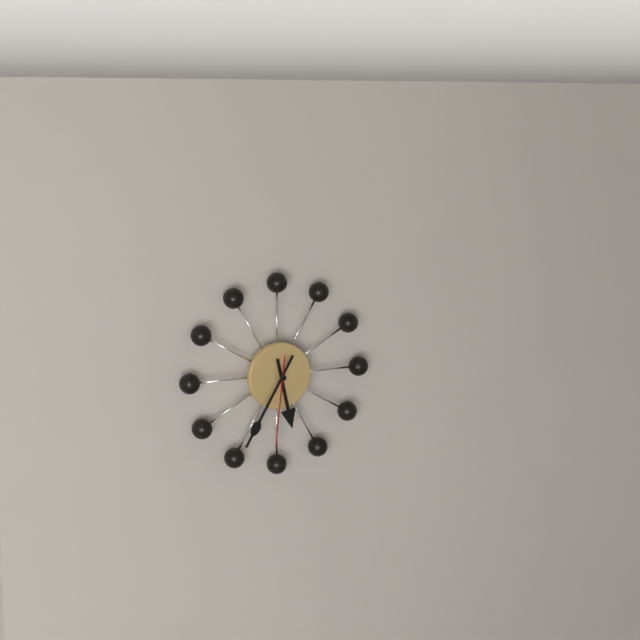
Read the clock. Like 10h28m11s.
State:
5h35m31s
